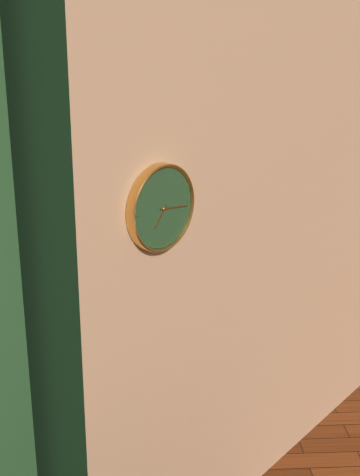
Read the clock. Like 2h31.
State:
7h16
